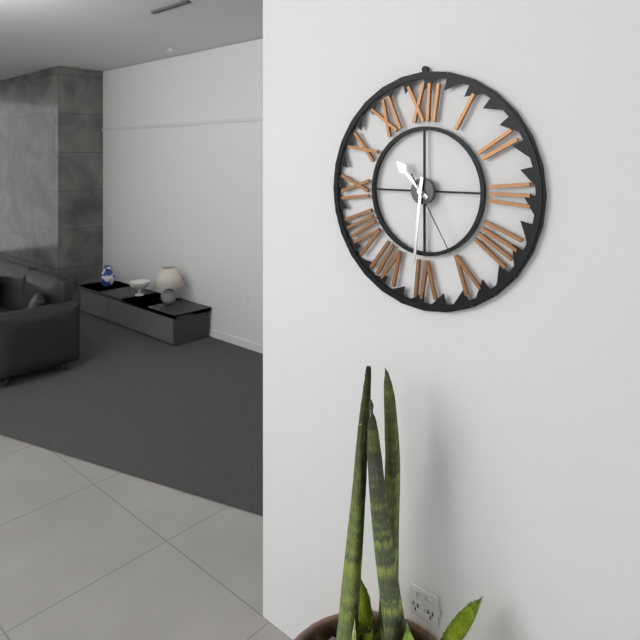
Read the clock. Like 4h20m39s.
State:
10h31m25s
